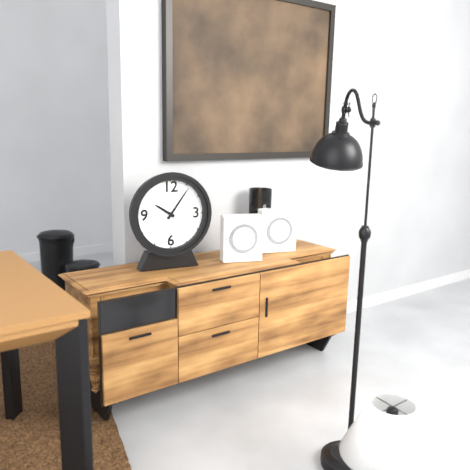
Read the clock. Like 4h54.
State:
10h06
